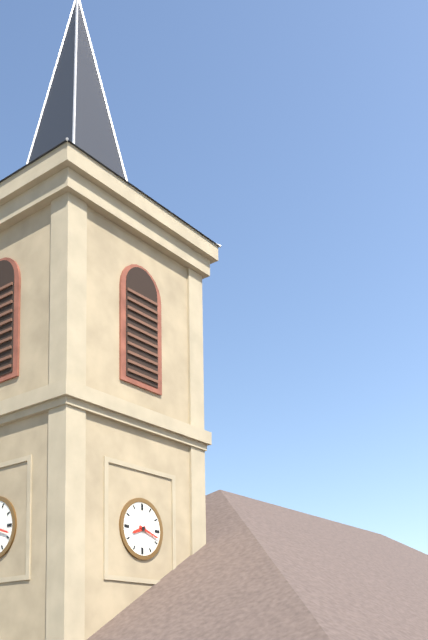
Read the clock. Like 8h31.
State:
8h18
